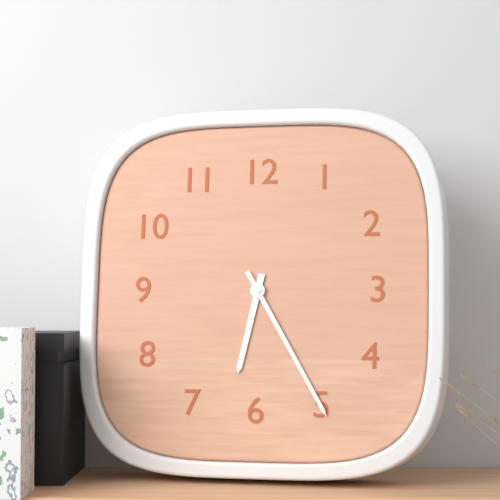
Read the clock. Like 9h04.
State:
6h25
